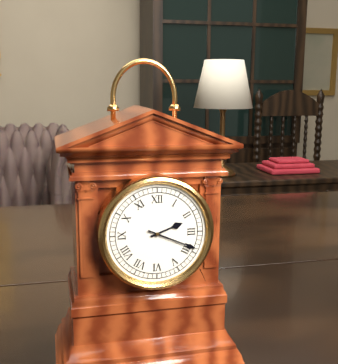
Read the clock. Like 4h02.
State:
2h19
